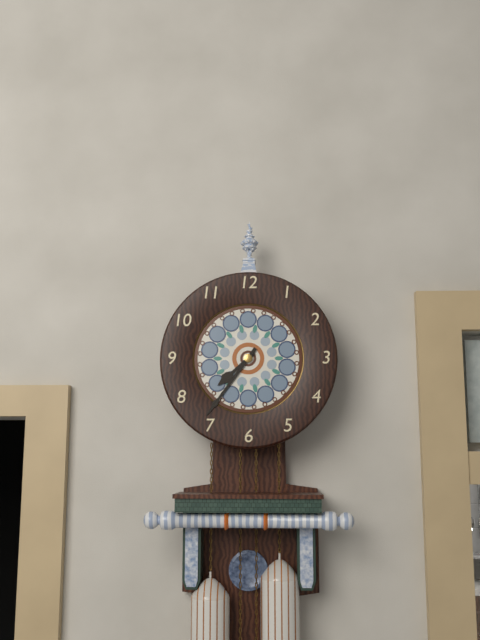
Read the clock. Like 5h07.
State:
7h36
